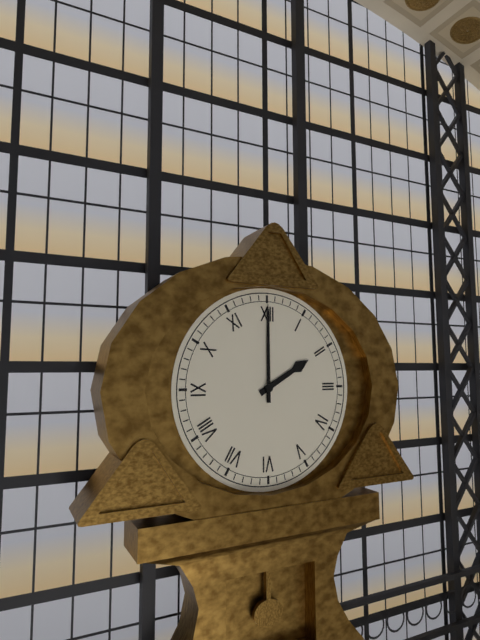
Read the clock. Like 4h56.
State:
2h00
